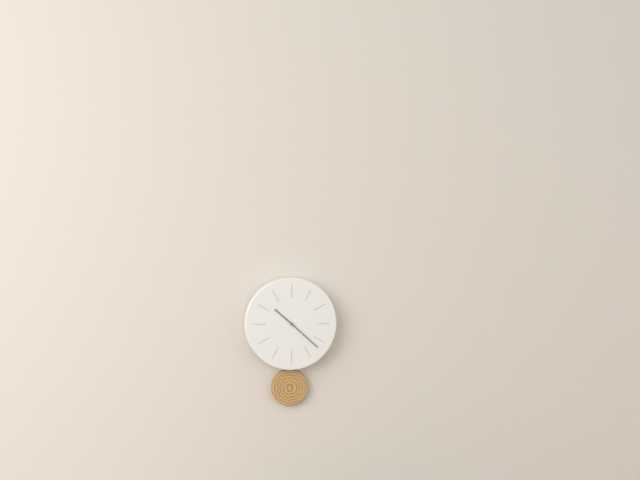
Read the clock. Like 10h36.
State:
10h22
